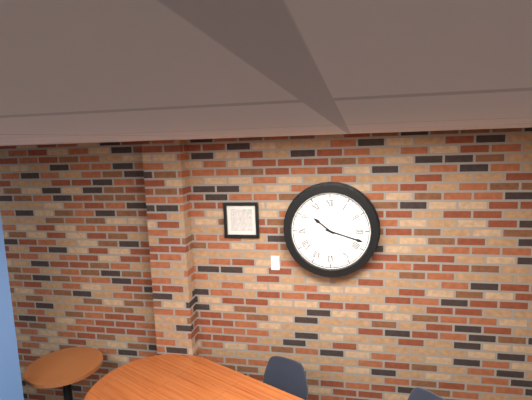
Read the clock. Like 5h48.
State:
10h18
